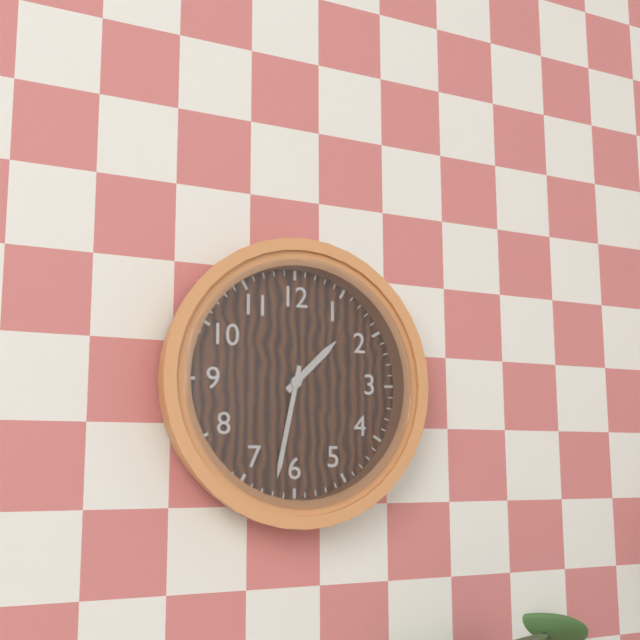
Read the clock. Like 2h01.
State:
1h32
